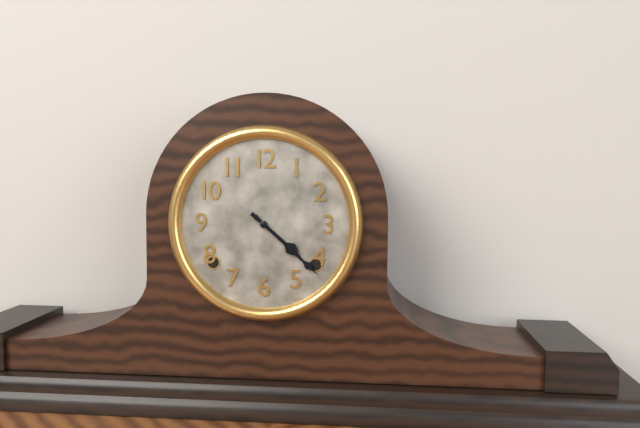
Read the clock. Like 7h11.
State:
4h22
